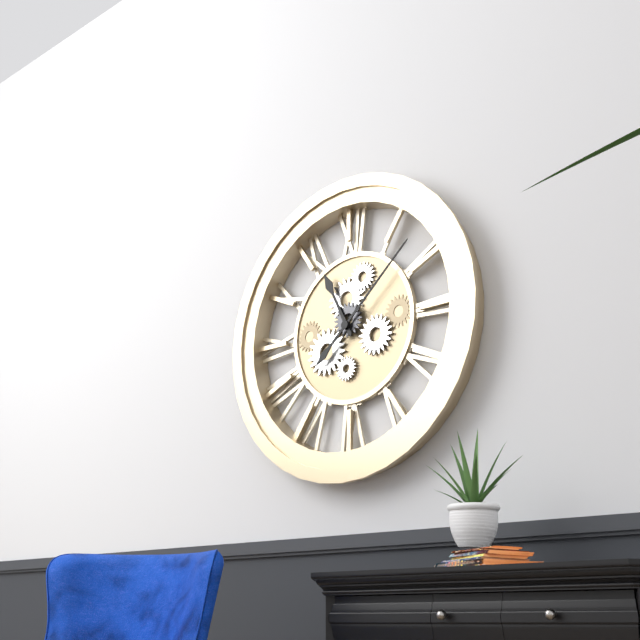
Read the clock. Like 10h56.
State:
11h08
